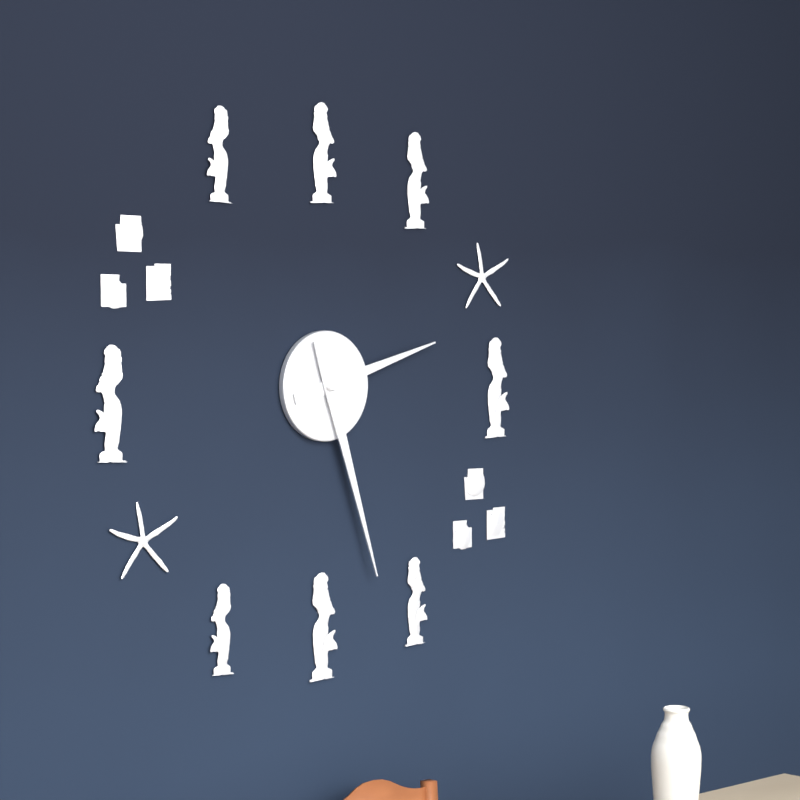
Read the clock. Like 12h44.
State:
2h27
